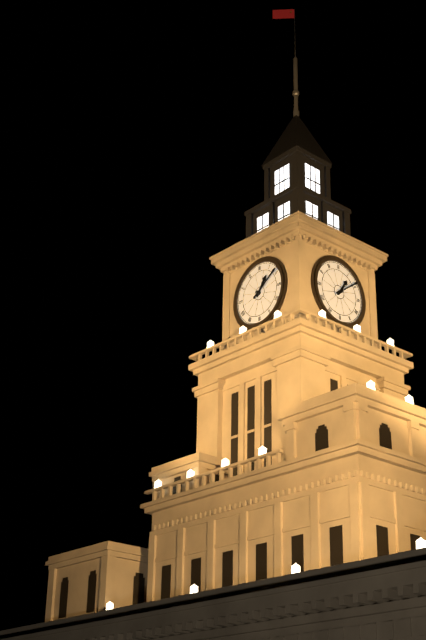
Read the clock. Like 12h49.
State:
1h09
